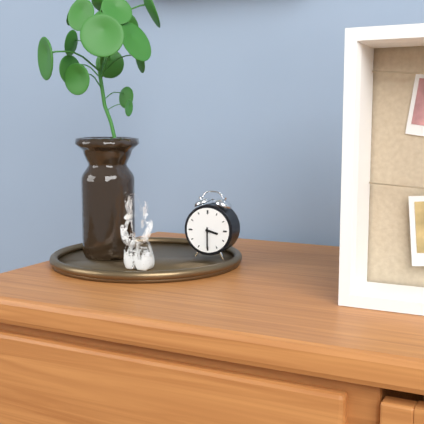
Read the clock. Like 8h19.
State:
3h30
